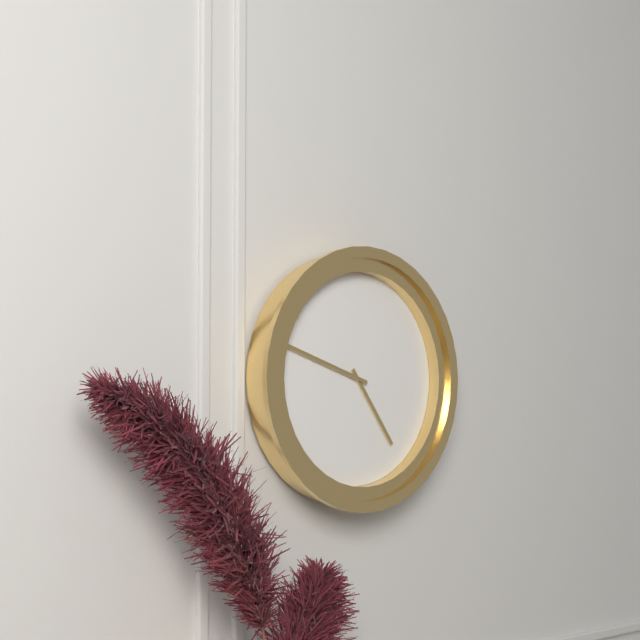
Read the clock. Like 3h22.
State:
4h48
